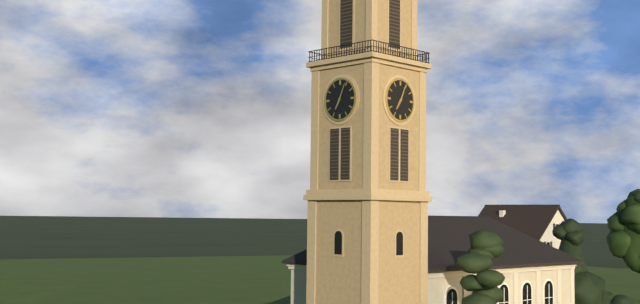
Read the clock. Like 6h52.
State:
7h04
